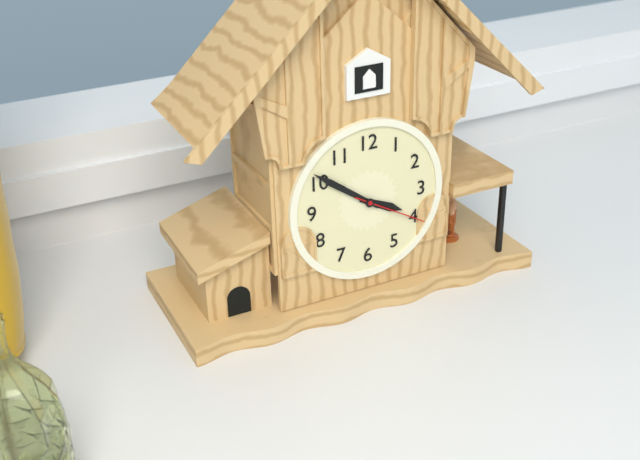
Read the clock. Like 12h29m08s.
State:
3h51m20s
